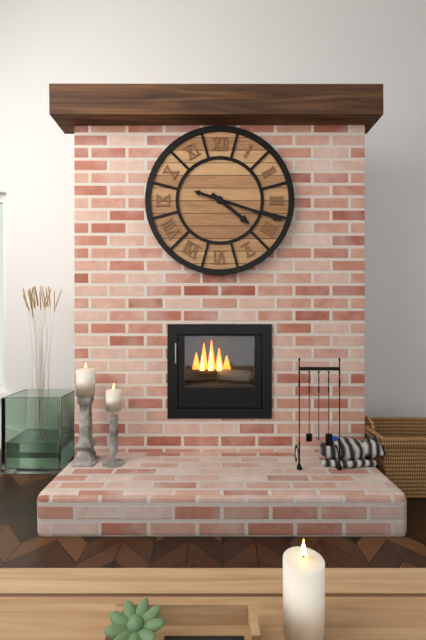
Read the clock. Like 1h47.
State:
4h18
